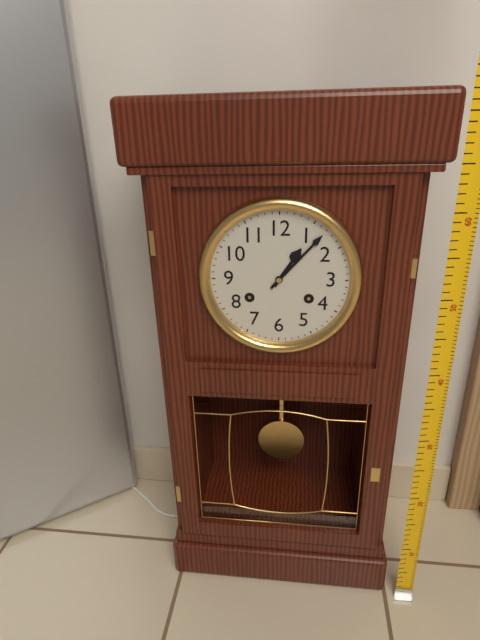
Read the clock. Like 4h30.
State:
1h07
